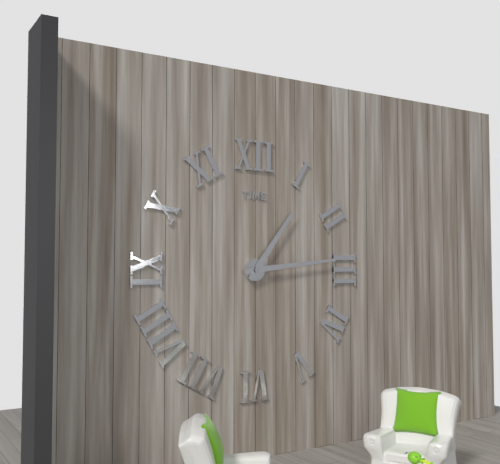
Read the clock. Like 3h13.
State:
1h14
